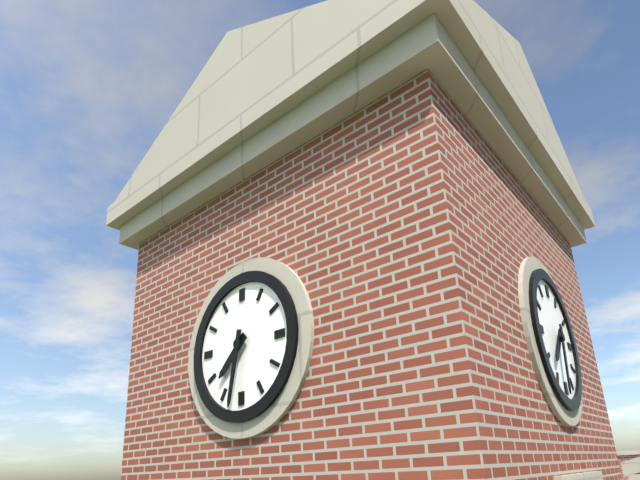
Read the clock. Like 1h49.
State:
7h32
